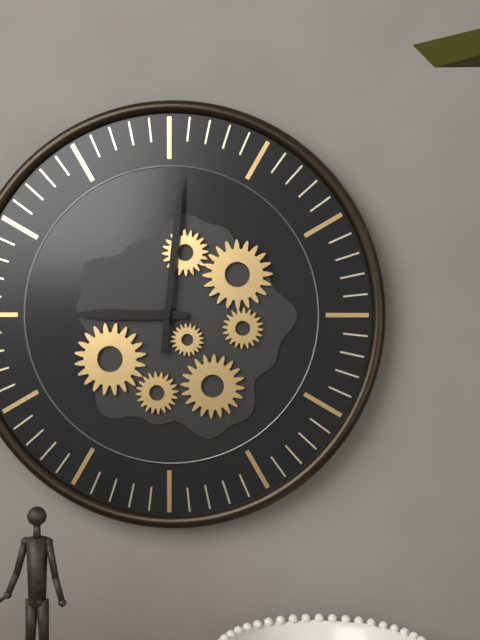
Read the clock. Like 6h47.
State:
9h01
